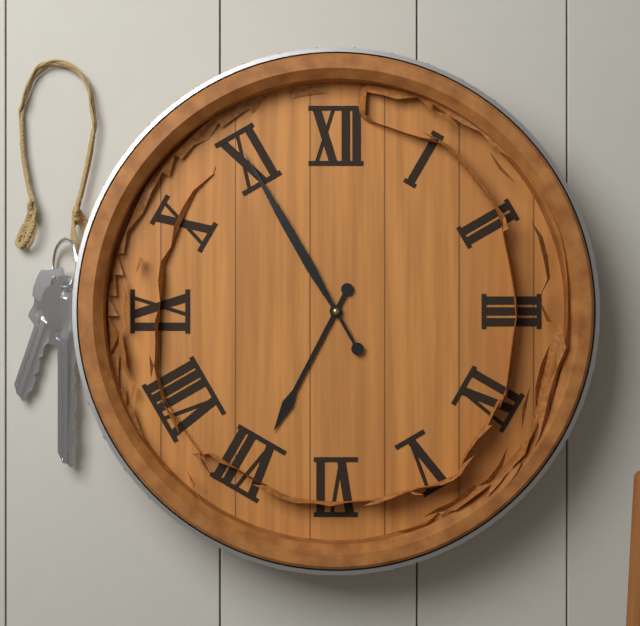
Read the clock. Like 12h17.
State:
6h55
